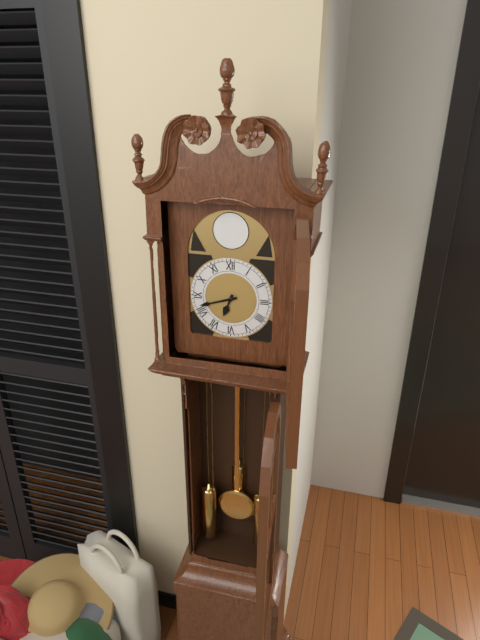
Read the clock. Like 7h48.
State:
6h42
